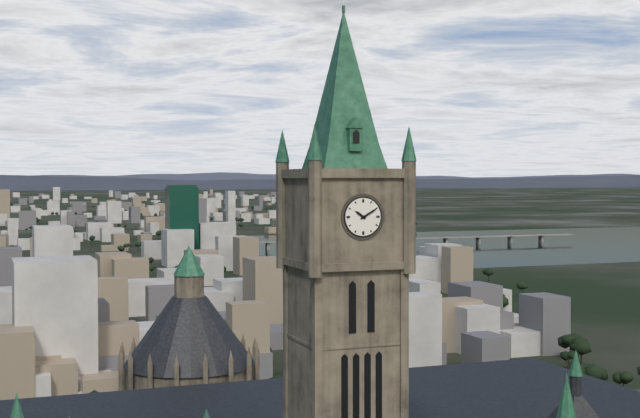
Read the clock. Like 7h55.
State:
10h10
